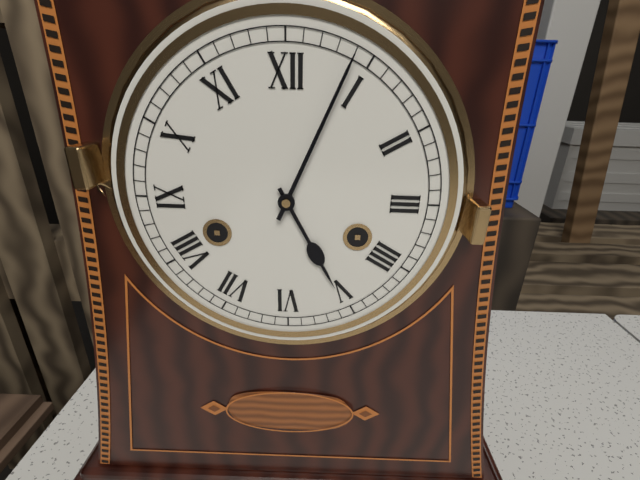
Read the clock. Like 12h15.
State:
5h04
